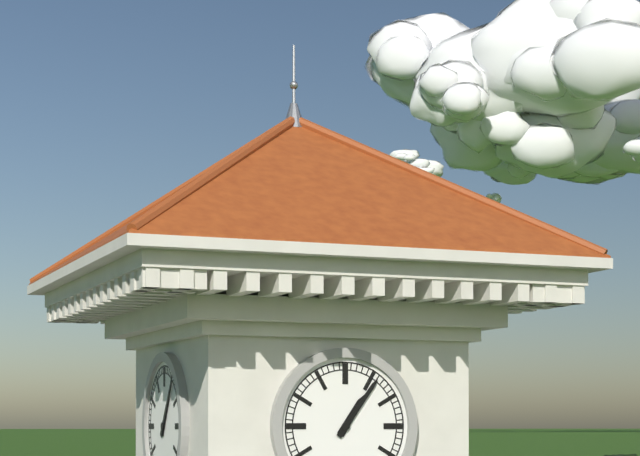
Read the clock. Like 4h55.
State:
1h06
